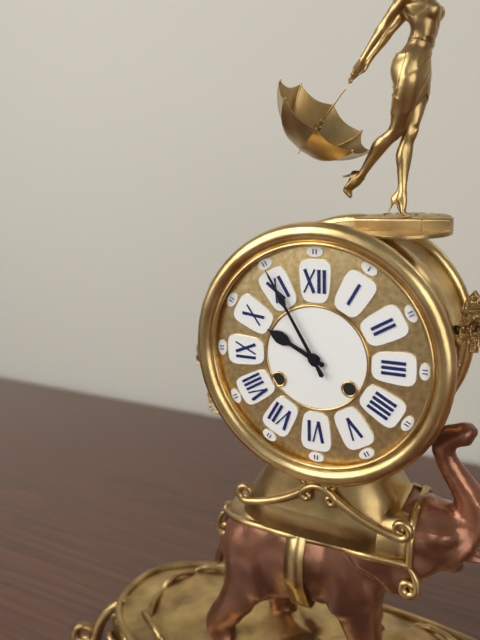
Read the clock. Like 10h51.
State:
9h55
